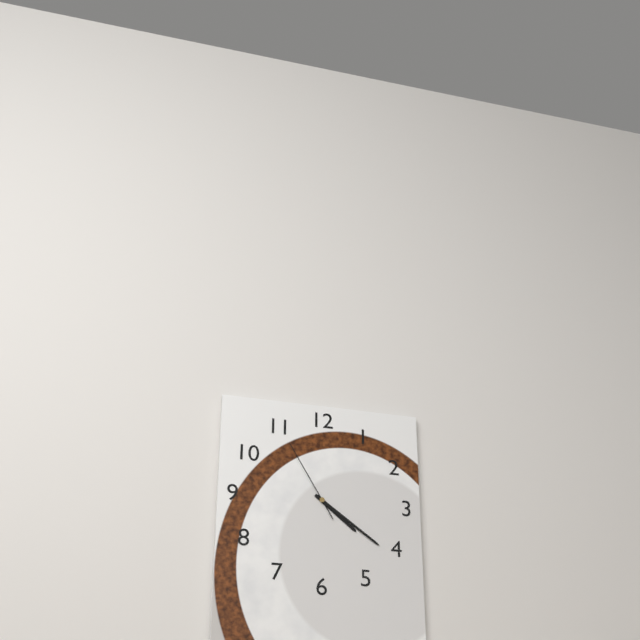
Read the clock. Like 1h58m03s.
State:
4h21m55s
